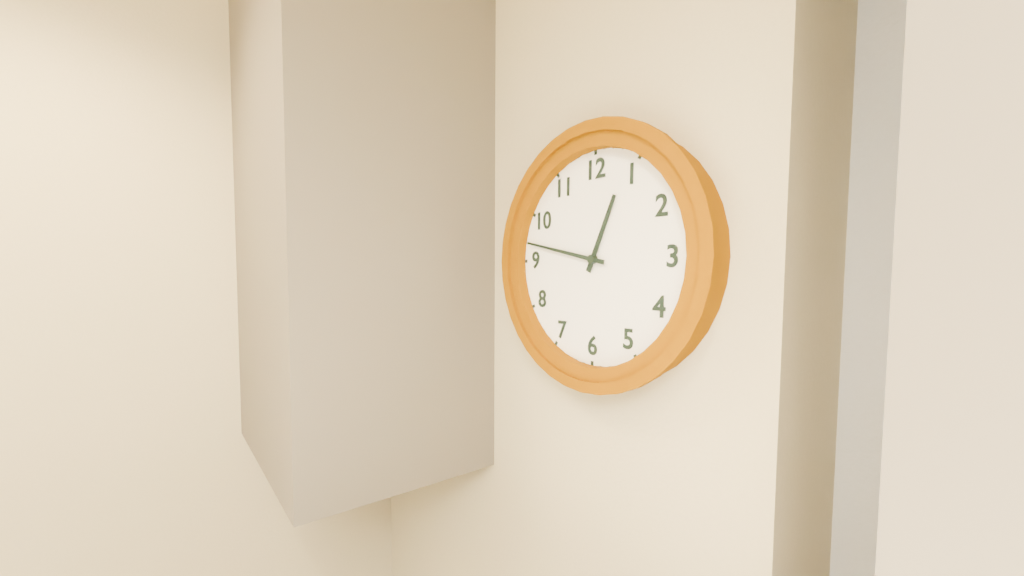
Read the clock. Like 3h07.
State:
12h47
